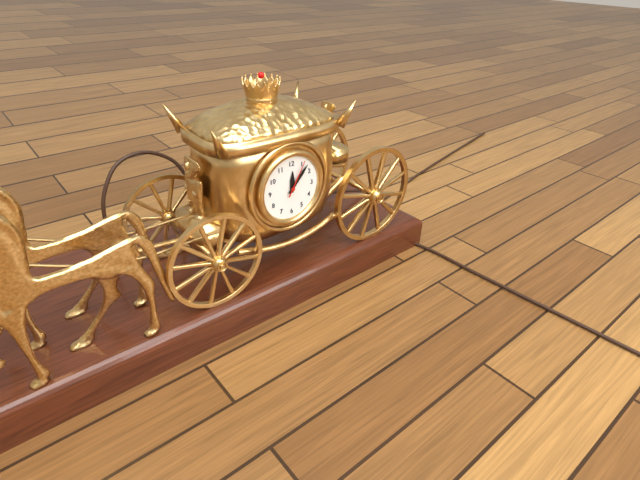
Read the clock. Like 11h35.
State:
12h07
